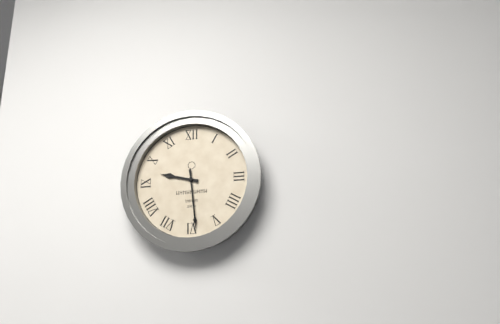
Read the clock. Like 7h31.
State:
9h29
